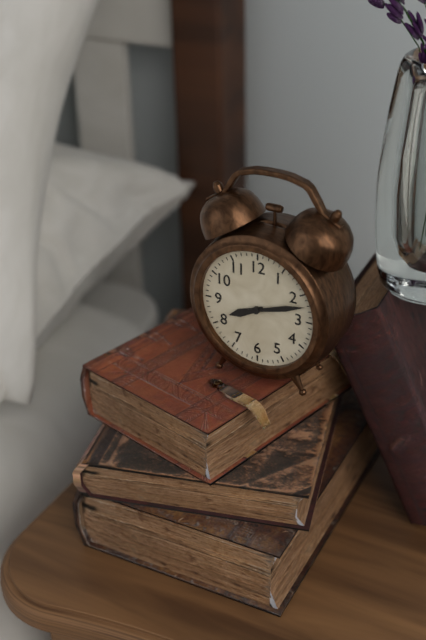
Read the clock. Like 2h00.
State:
8h12
